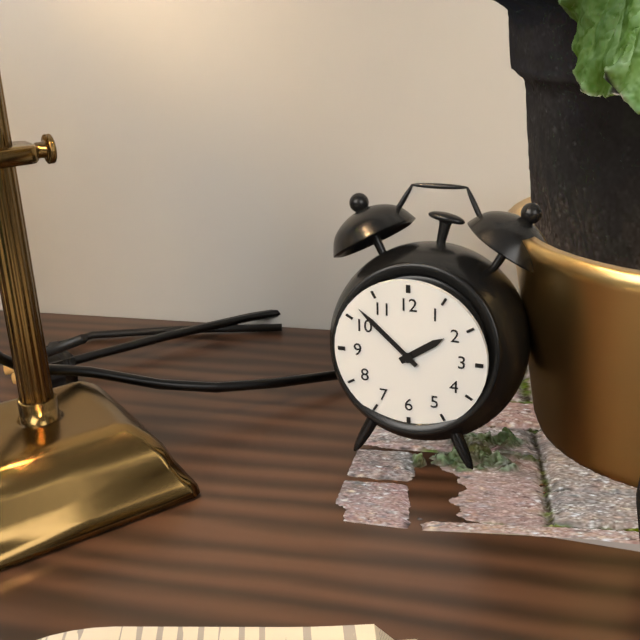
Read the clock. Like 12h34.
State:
1h52
